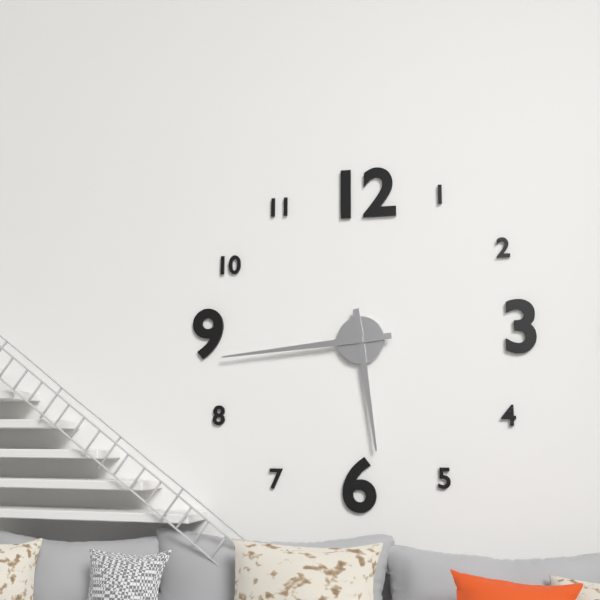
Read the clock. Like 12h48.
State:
5h44
